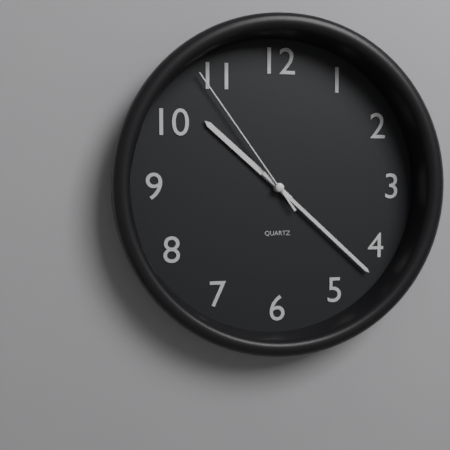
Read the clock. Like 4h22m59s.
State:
10h22m54s
